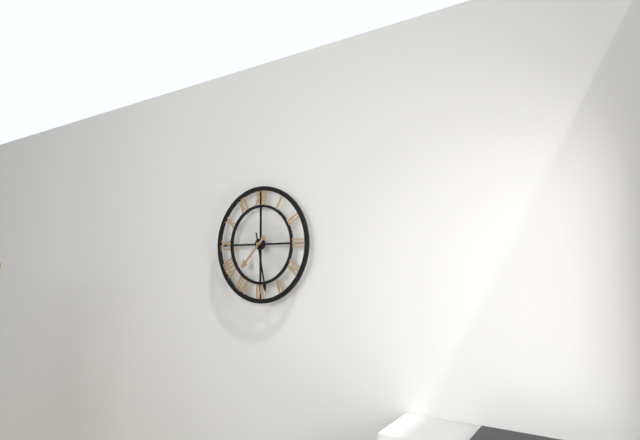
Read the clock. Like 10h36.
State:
7h28
